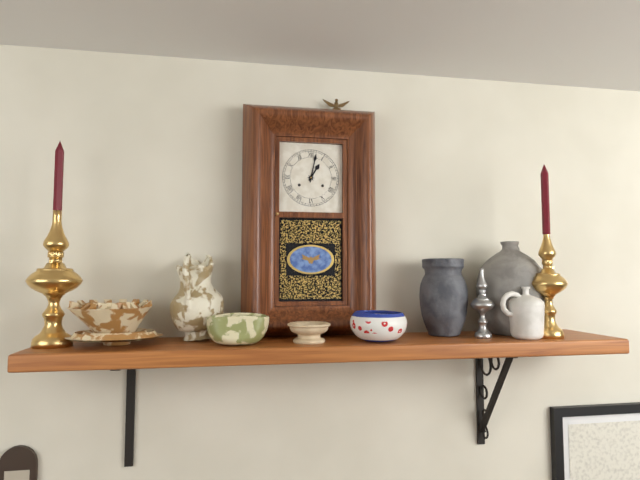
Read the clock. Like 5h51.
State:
1h02
